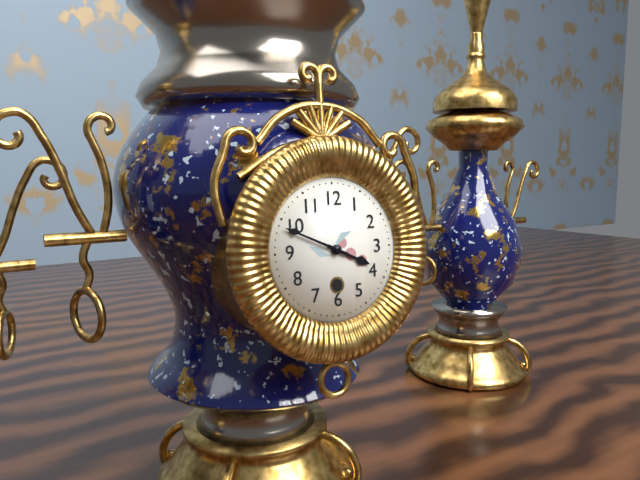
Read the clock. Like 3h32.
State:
3h49
